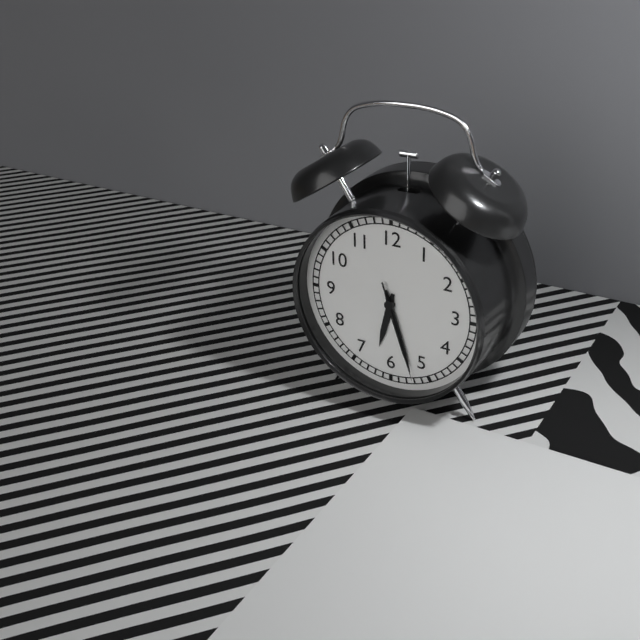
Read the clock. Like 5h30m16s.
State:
6h27m27s
